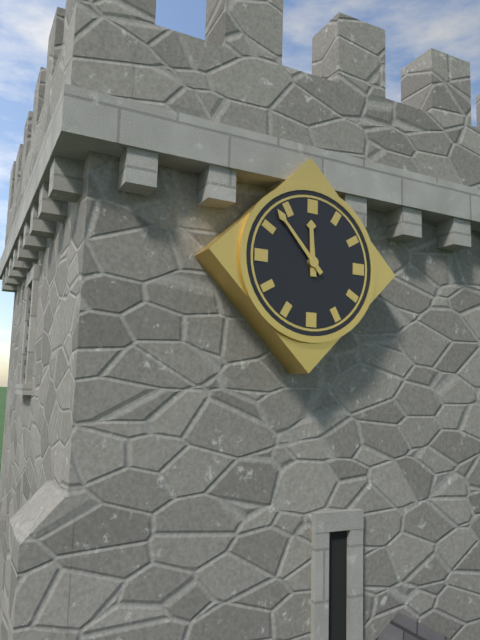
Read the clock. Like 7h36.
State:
11h53
